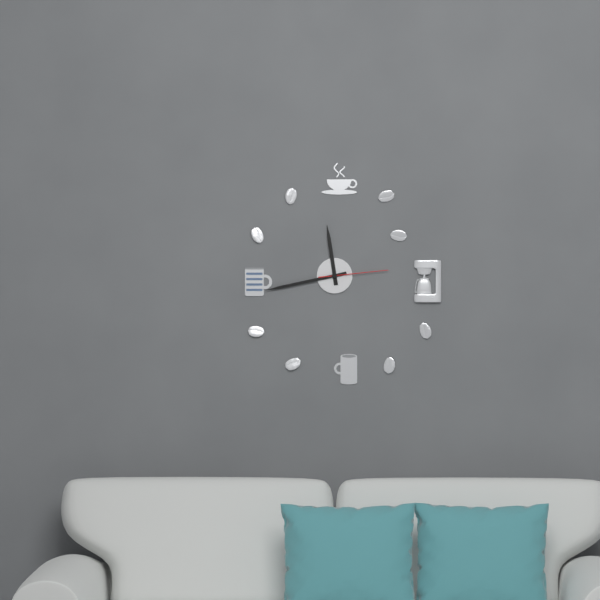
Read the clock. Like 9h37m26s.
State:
11h43m14s
